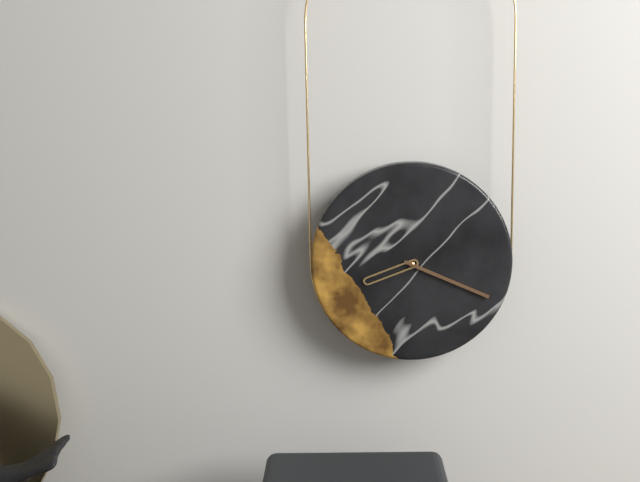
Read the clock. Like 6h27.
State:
8h19
